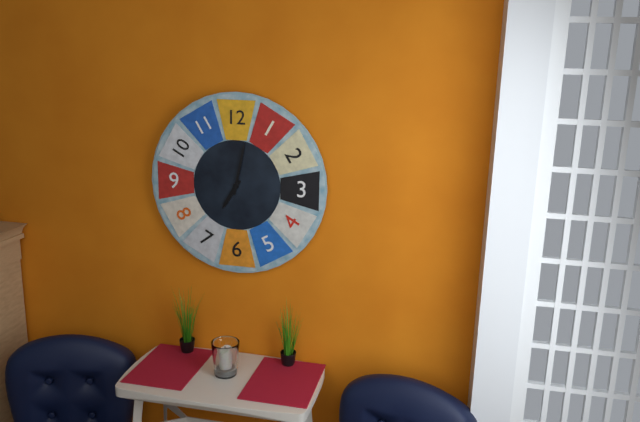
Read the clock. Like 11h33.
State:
7h02
